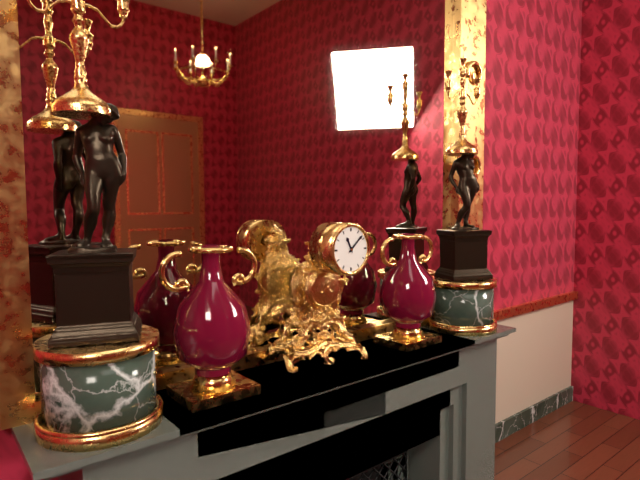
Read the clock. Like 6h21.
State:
11h08
